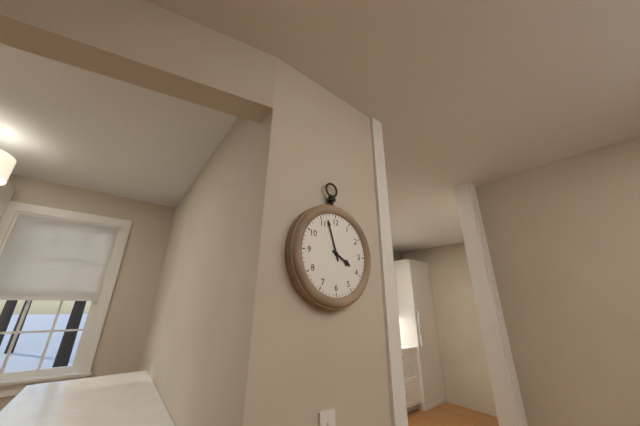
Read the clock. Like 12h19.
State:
3h57
